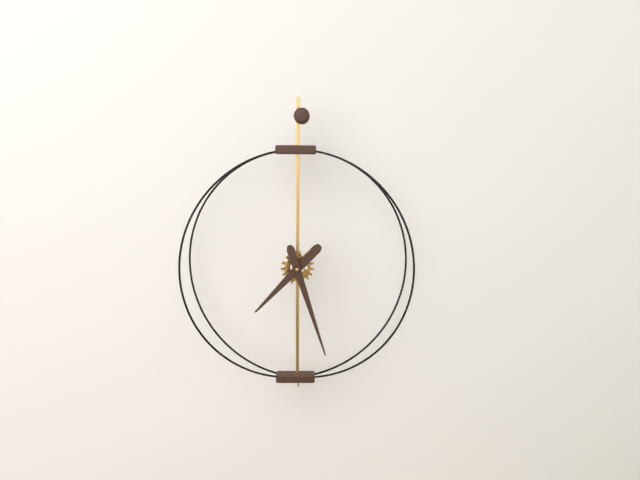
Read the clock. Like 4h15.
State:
7h27
